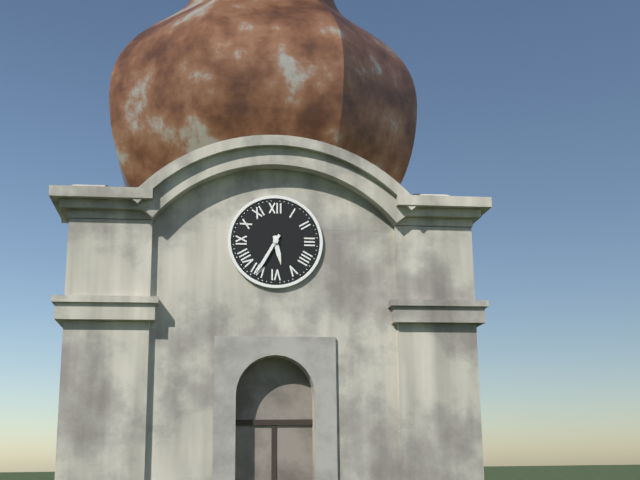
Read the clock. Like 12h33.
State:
5h35
